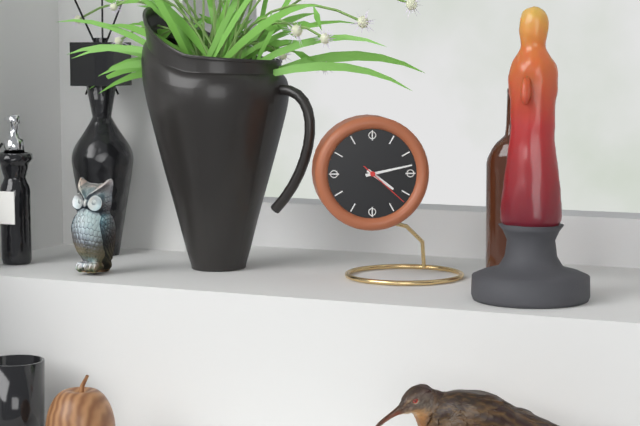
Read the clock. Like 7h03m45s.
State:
4h13m22s
